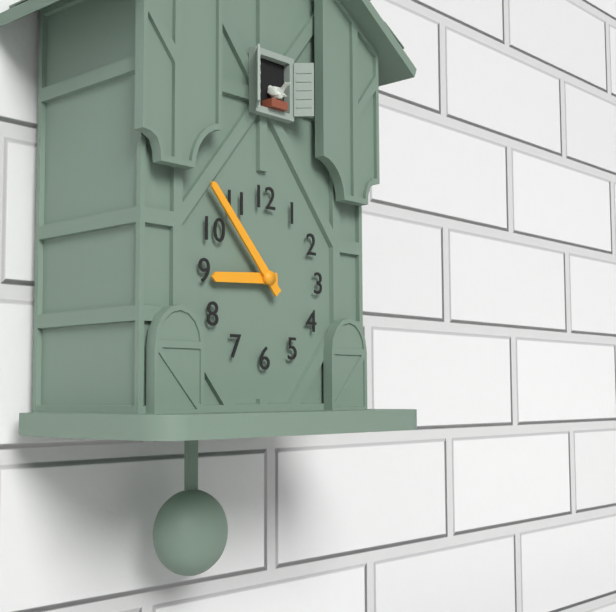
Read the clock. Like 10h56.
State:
8h53
